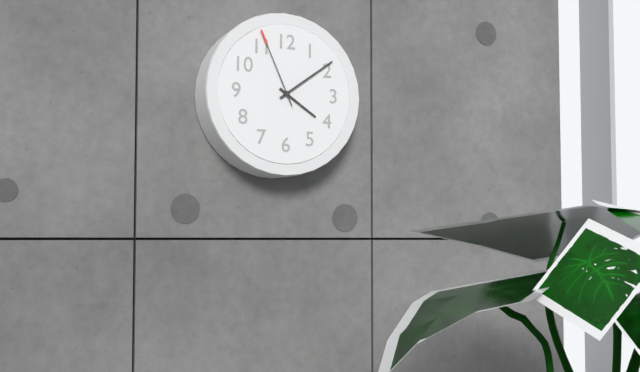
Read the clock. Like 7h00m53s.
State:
4h09m56s
